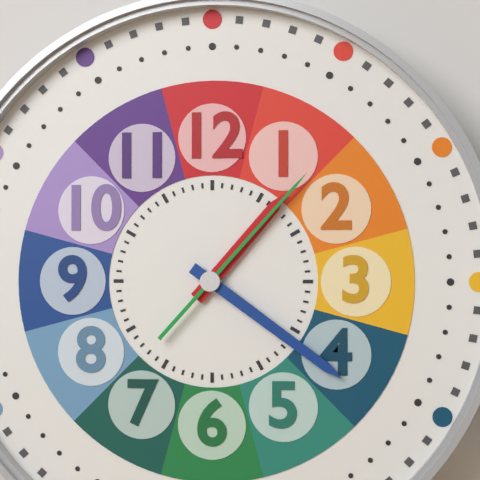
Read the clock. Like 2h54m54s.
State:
1h21m07s
